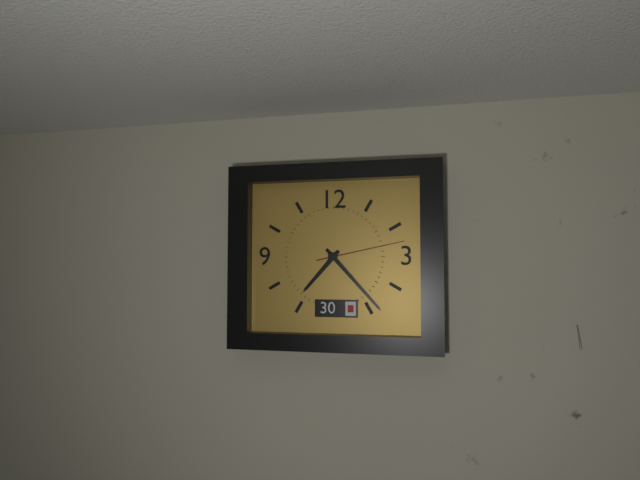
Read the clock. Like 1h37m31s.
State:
7h23m13s
